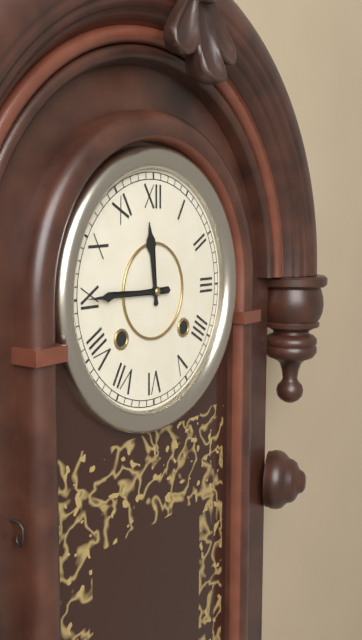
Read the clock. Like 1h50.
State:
11h45
